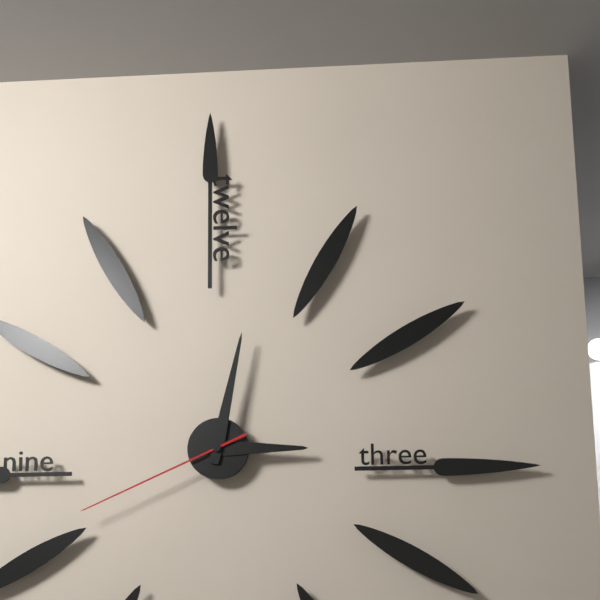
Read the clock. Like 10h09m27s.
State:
3h02m41s
